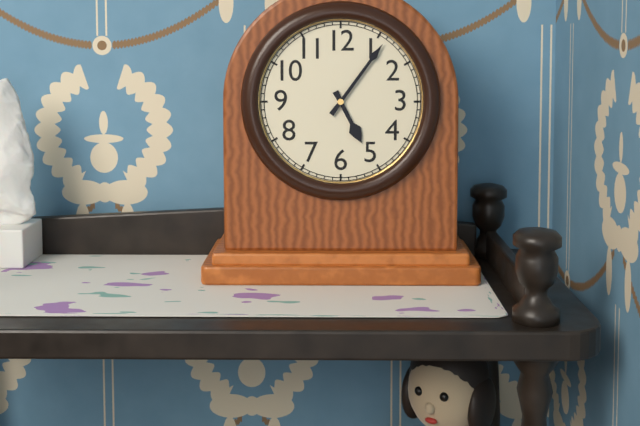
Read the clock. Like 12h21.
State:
5h06
